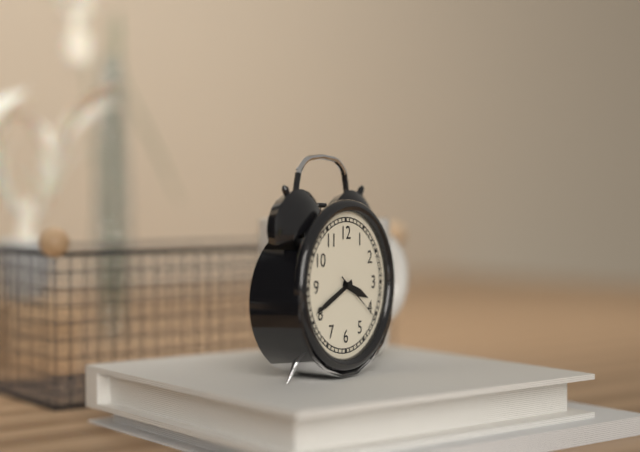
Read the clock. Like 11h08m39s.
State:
3h41m21s
